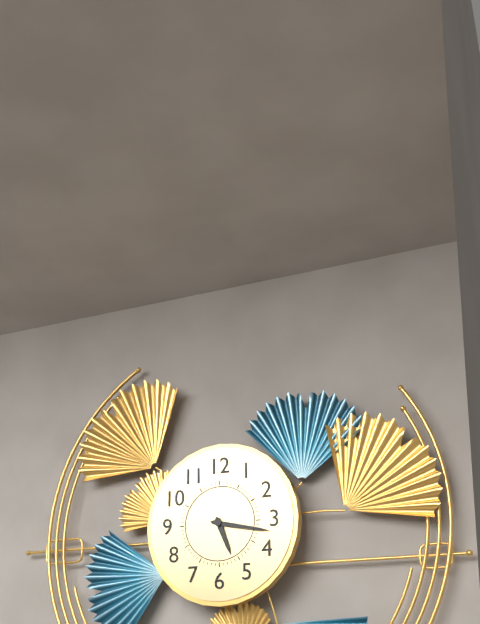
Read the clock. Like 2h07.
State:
5h17
